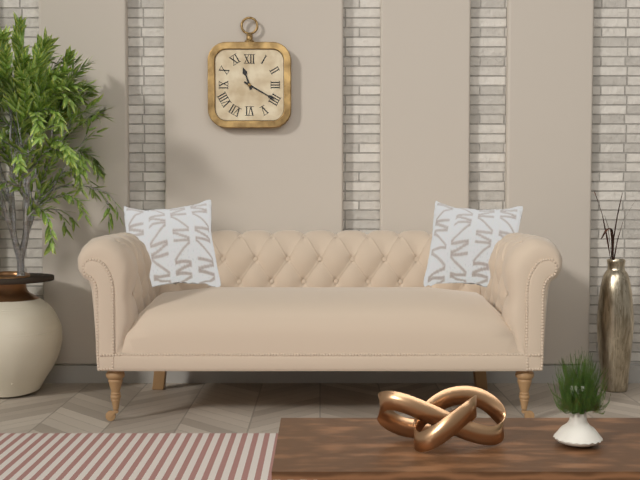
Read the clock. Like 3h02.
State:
11h20
